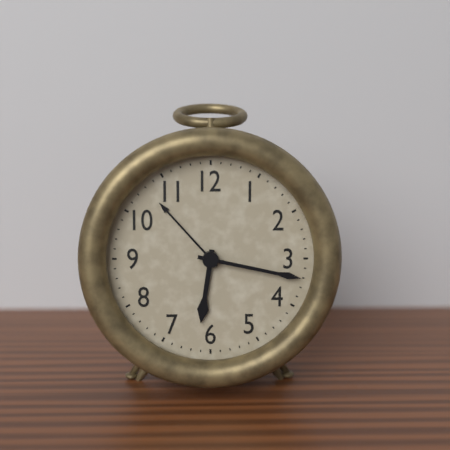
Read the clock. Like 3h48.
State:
6h17
